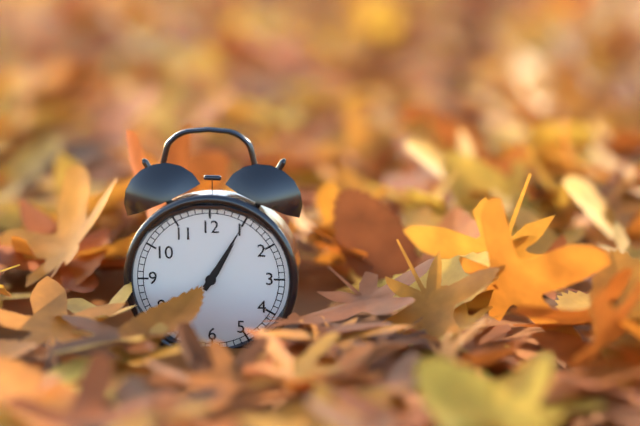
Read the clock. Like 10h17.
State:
1h05
